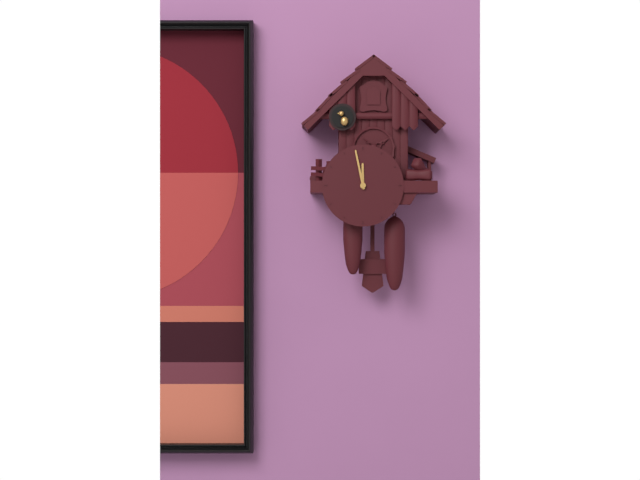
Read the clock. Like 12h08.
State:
11h58
